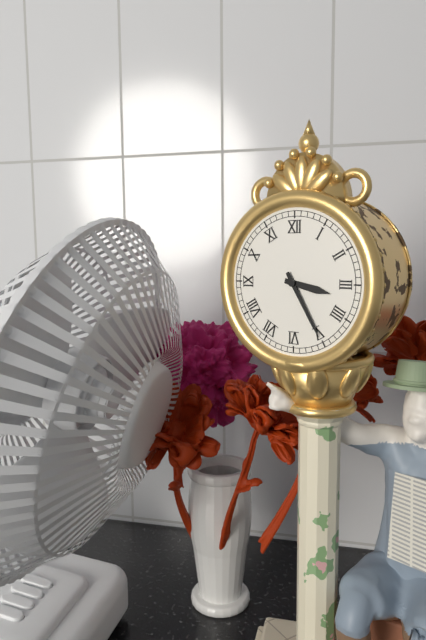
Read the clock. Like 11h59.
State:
3h25
